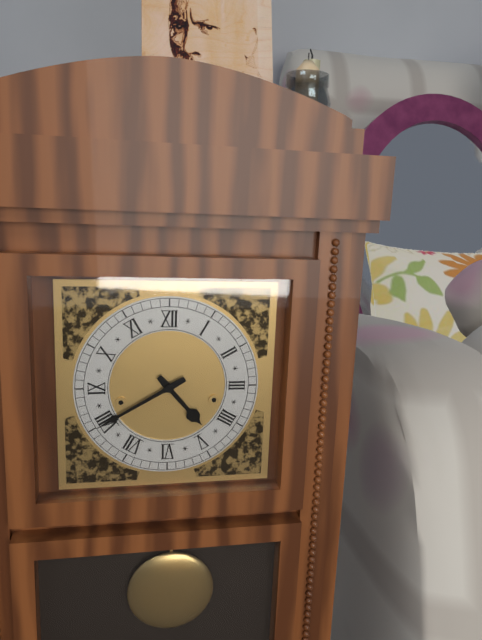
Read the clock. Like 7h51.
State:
4h40
